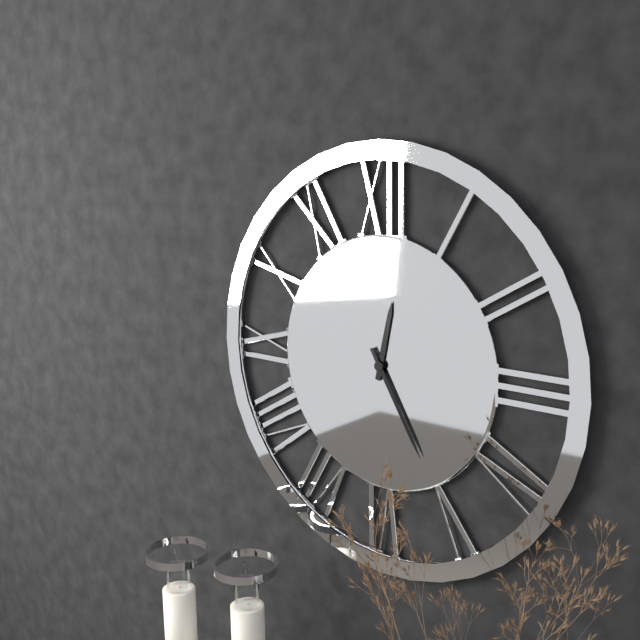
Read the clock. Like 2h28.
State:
12h25
